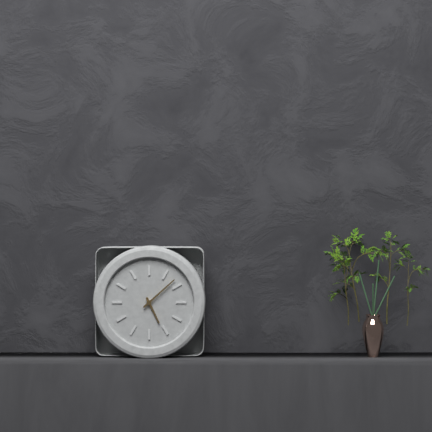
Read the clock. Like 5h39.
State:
5h08
